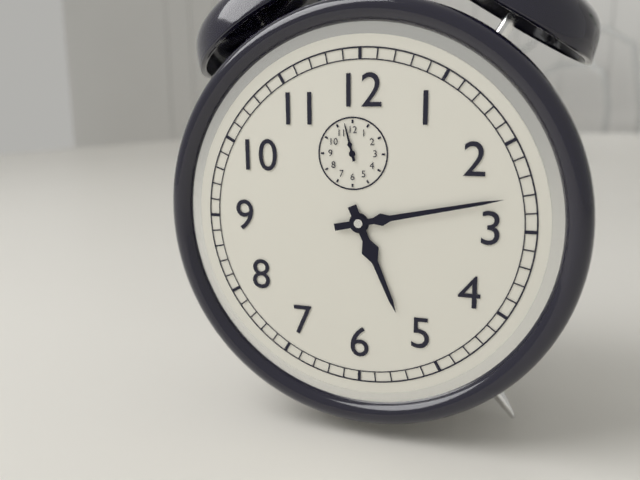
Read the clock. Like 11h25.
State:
5h13
